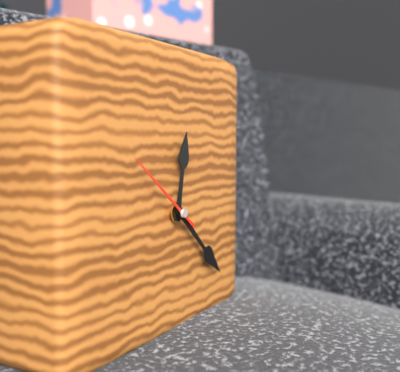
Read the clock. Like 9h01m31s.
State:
12h22m51s
